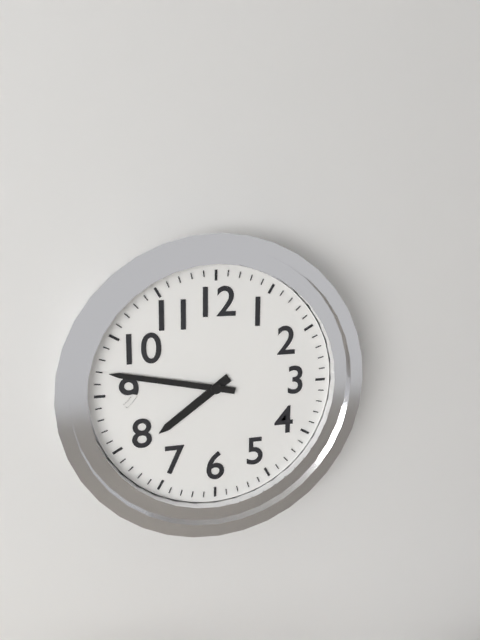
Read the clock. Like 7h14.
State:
7h47
